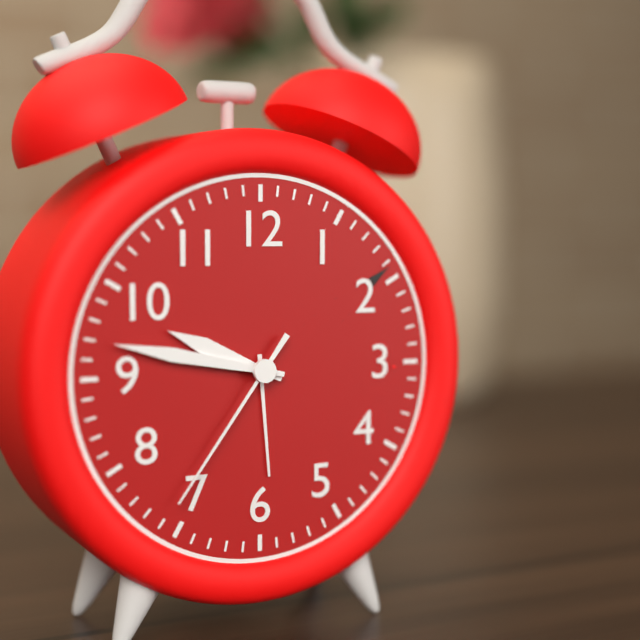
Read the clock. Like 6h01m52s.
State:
9h47m36s
